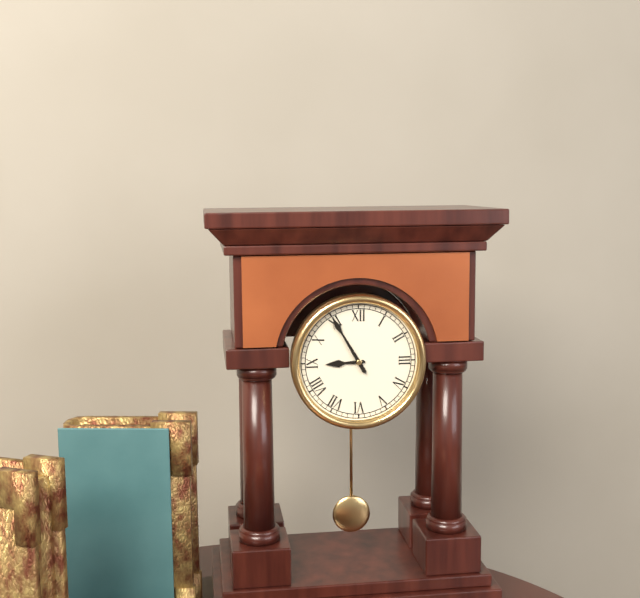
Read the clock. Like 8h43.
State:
8h55
